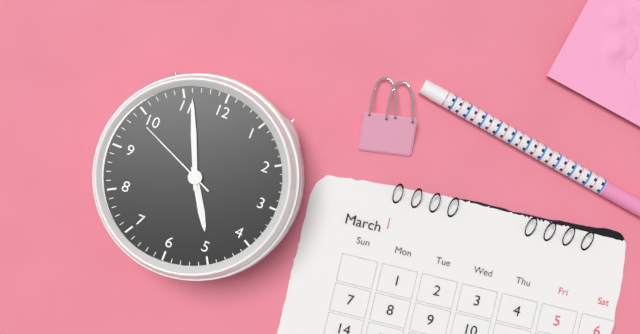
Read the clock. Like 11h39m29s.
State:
4h56m49s
